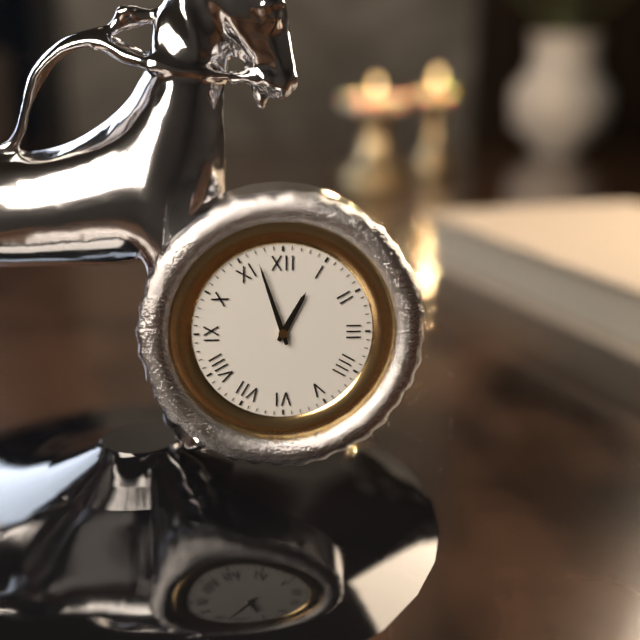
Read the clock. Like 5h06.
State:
12h57
